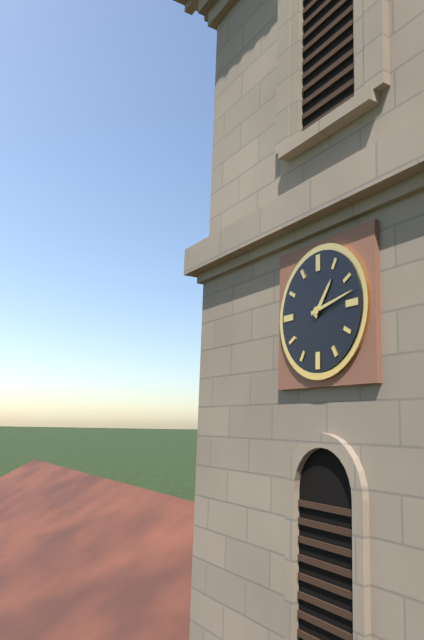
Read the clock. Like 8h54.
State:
1h13
